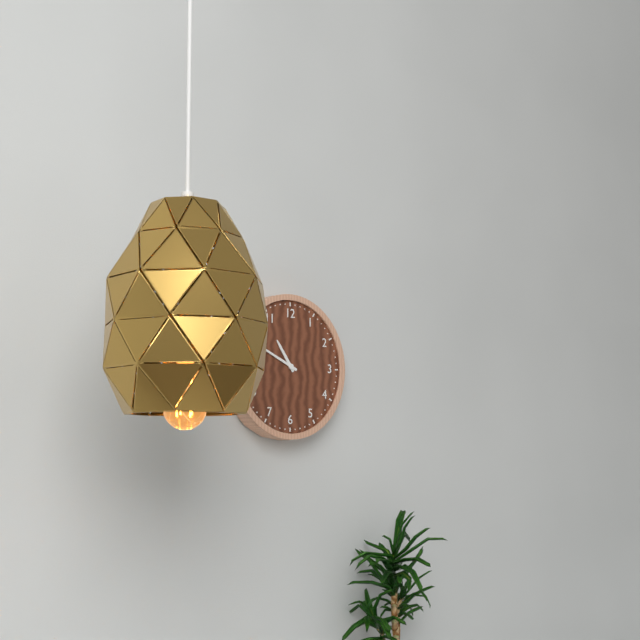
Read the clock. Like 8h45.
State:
10h49
